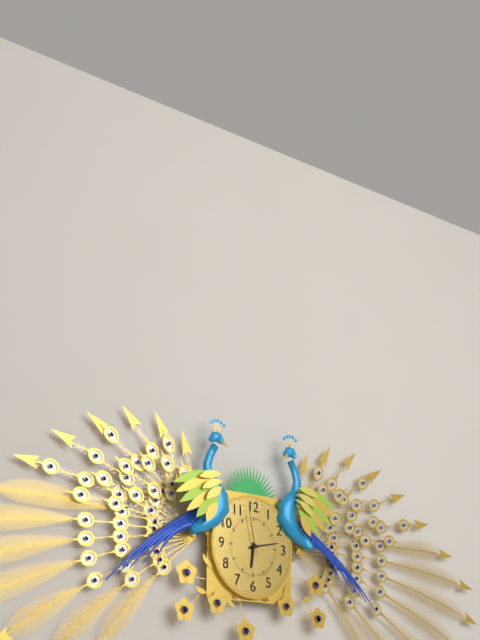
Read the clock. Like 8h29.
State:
6h13
